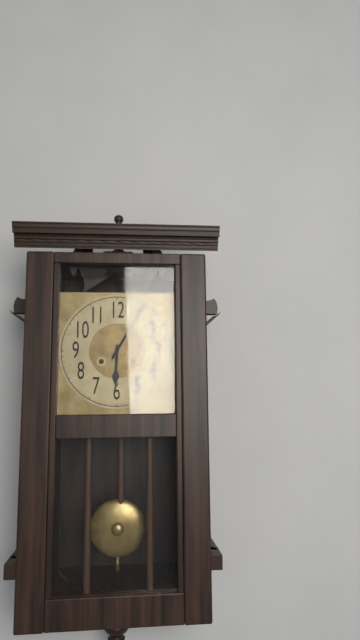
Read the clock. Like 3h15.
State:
6h05
